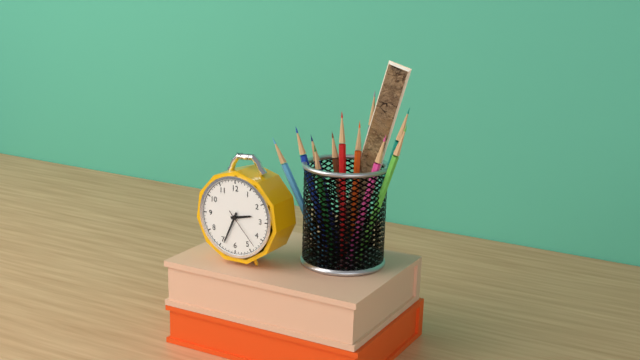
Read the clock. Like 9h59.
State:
2h34
